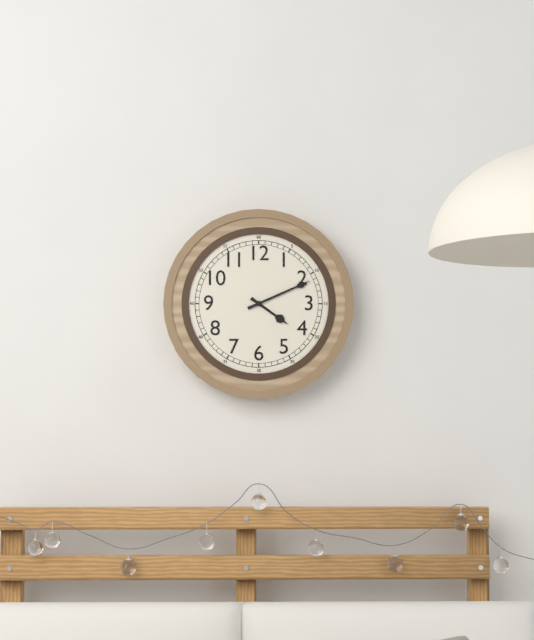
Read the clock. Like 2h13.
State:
4h11
